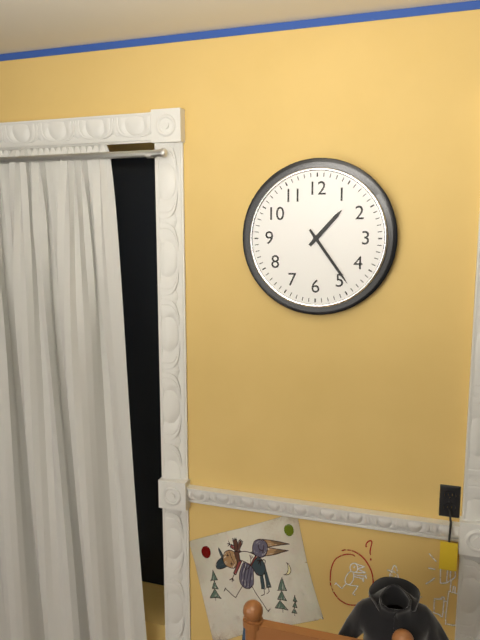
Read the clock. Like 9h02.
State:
1h24
